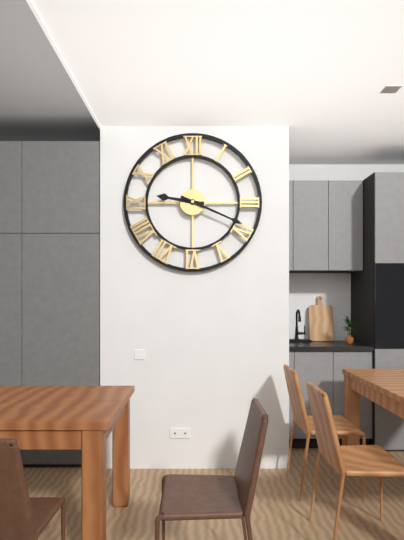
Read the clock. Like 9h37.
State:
9h19
